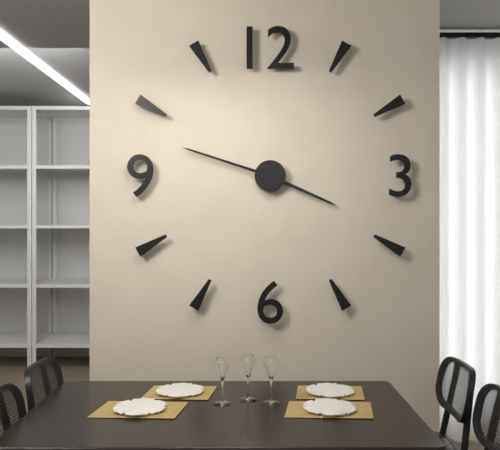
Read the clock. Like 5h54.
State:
3h48
